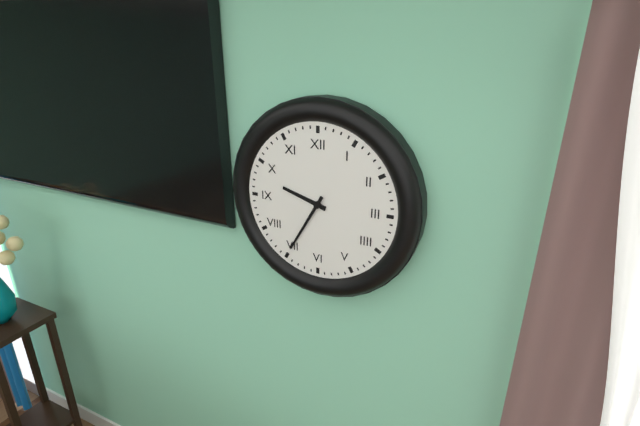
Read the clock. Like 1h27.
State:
9h35
